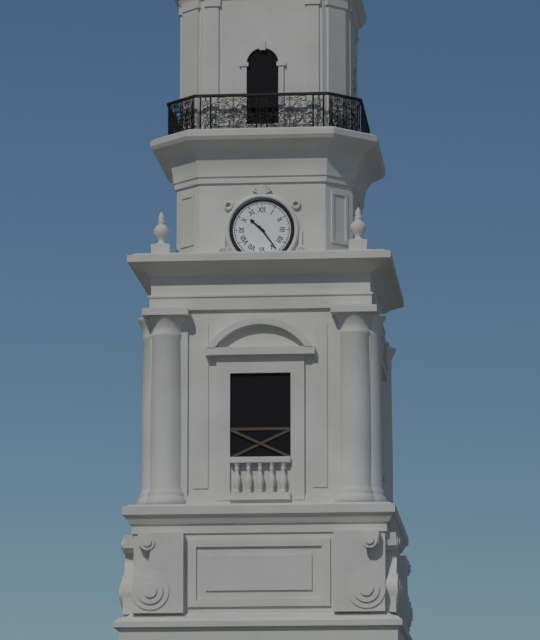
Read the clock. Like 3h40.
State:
10h24
